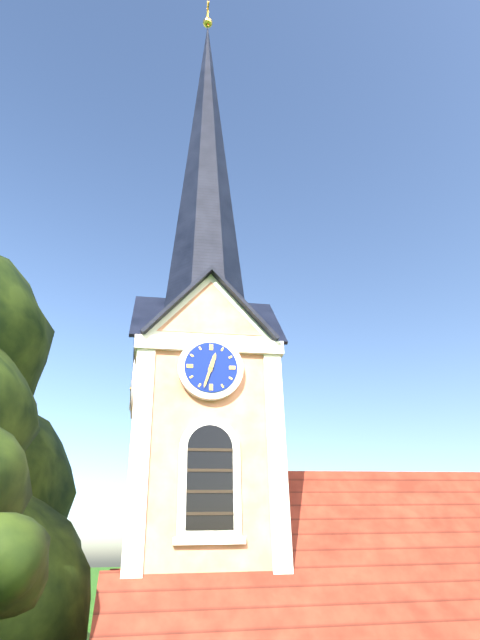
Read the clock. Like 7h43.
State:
12h33
